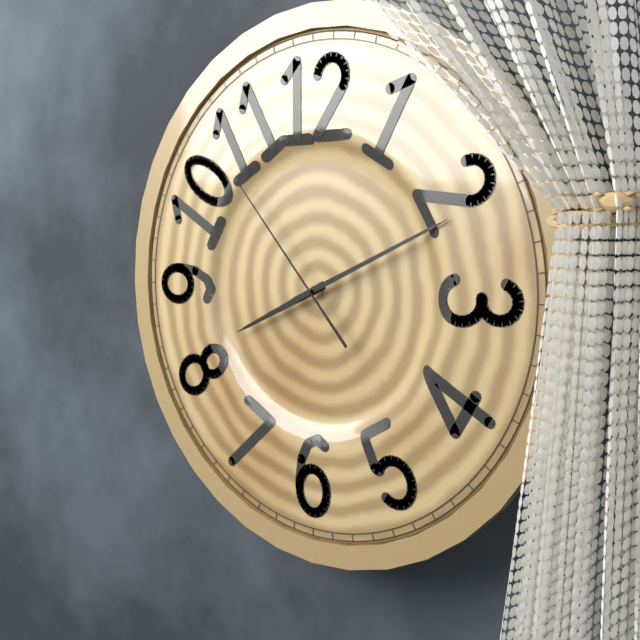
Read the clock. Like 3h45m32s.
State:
8h11m53s
